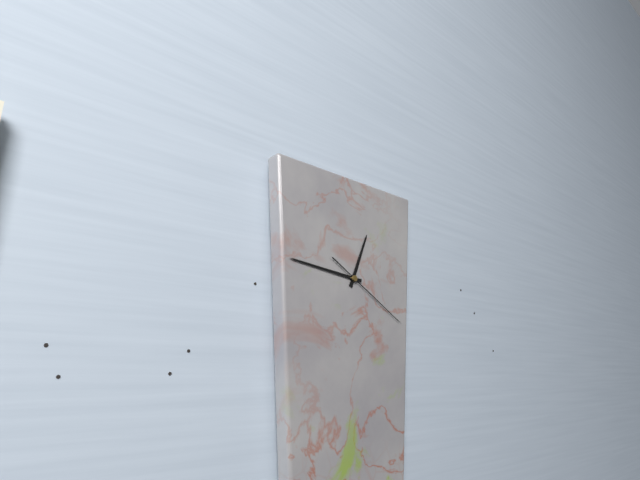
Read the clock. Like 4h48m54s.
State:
12h46m20s
